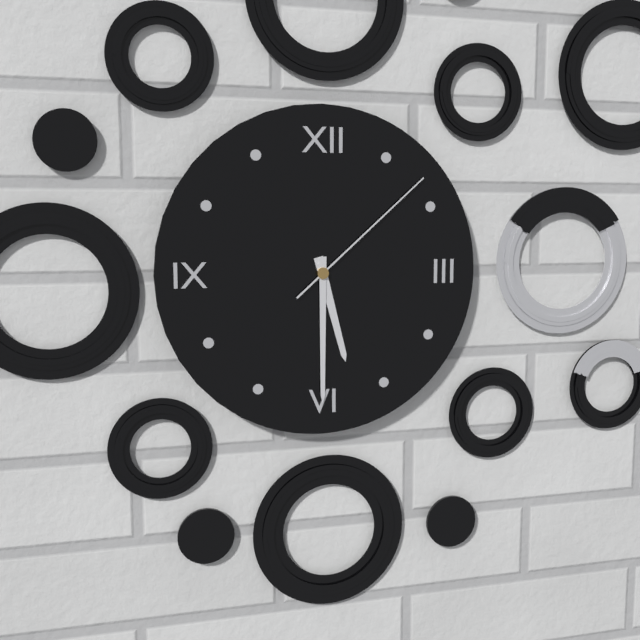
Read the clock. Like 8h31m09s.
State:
5h30m08s
